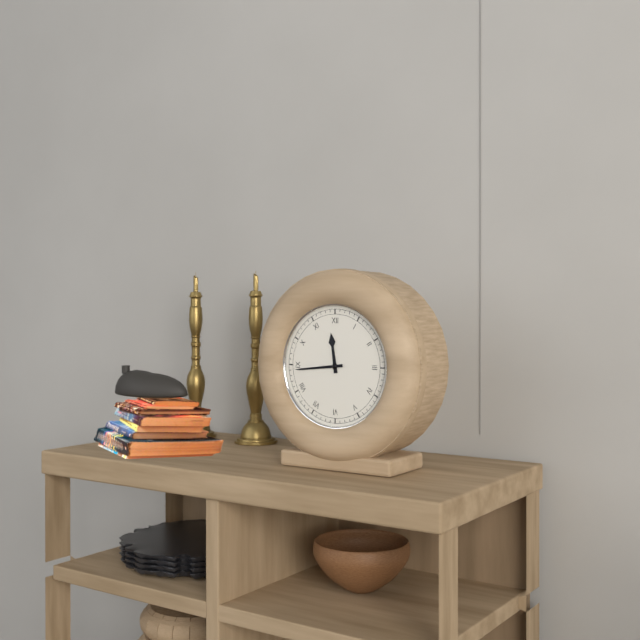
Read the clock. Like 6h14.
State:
11h44
